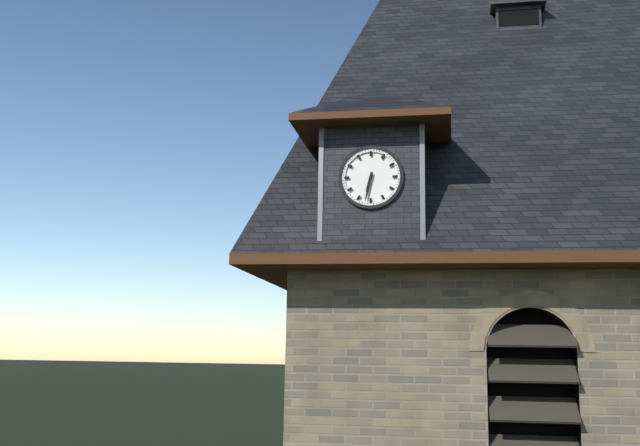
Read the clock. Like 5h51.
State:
6h32
